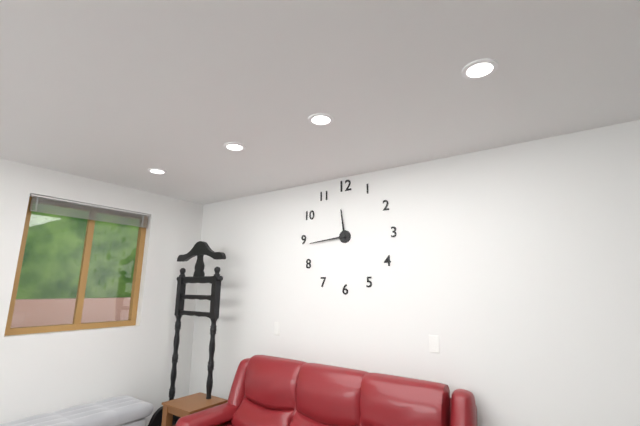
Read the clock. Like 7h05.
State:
11h44
